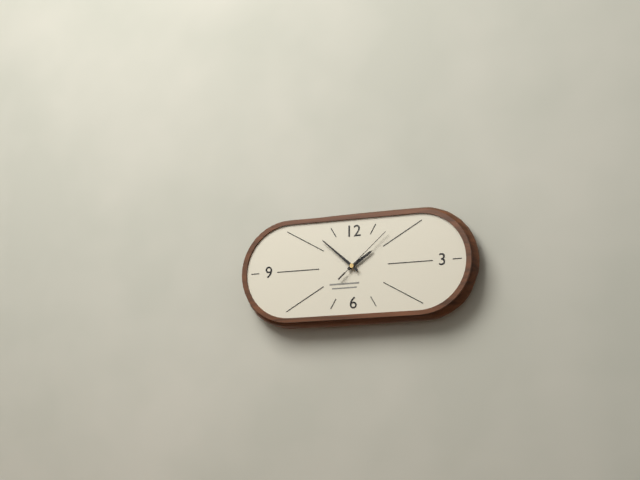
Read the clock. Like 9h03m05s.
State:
1h52m08s
